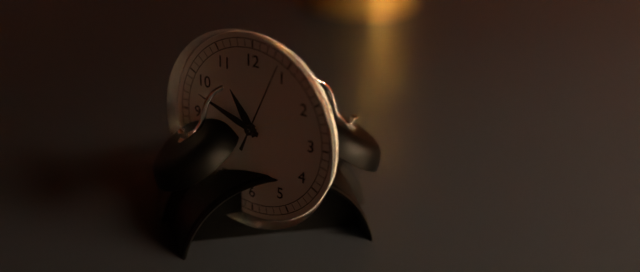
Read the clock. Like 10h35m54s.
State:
10h48m04s
